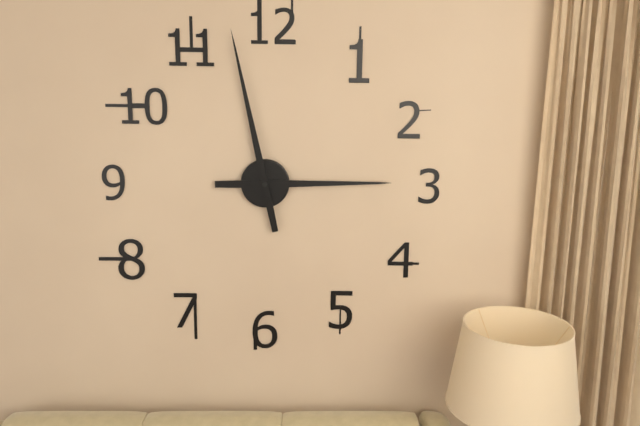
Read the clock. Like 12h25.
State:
2h58
